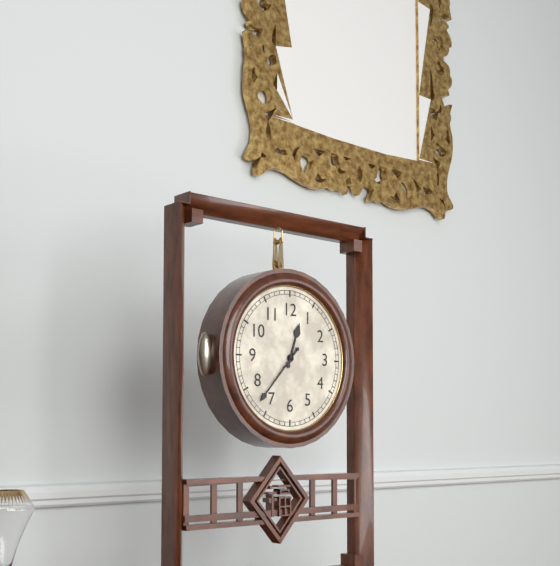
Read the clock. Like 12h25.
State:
12h37
